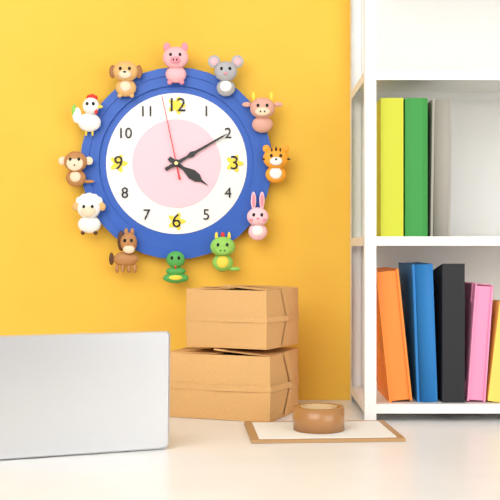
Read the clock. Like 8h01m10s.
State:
4h10m58s
